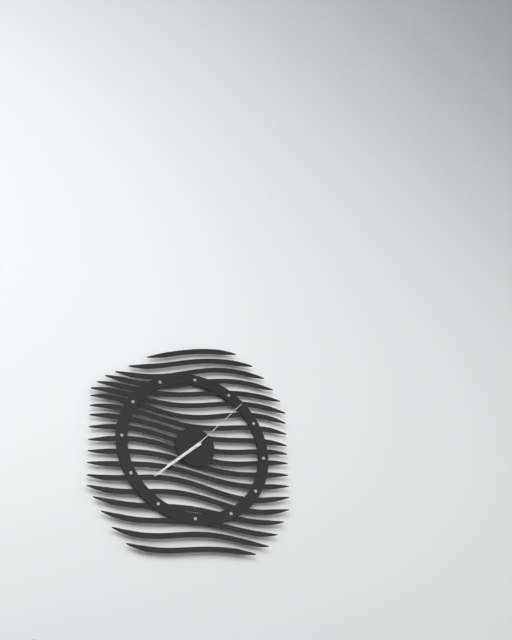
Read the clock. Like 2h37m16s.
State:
7h38m07s
